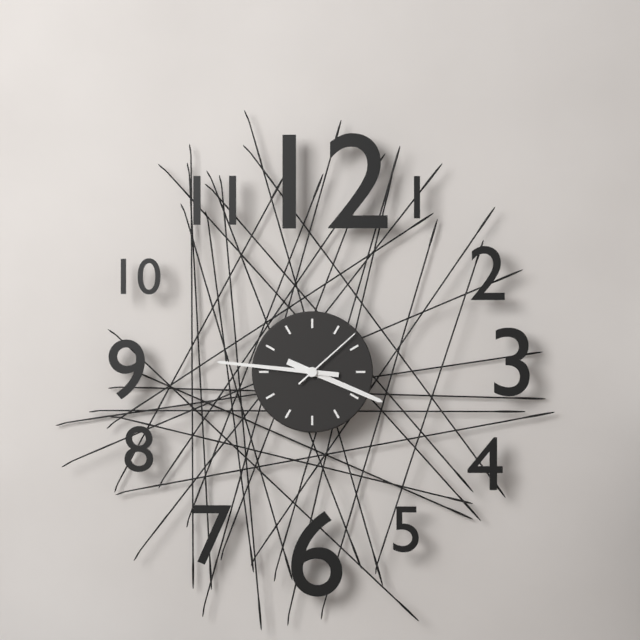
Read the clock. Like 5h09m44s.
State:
3h46m08s
